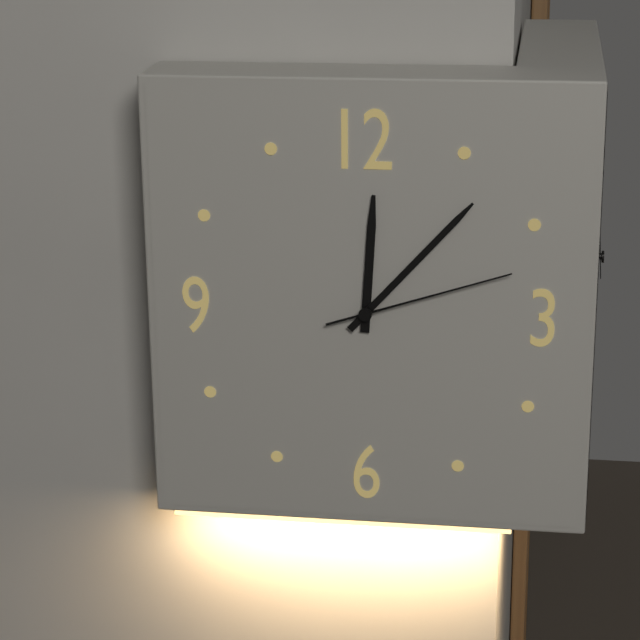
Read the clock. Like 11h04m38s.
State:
12h07m12s
